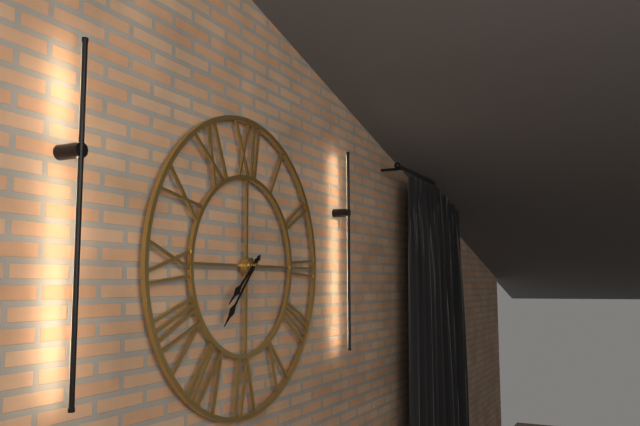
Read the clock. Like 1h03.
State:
7h37
